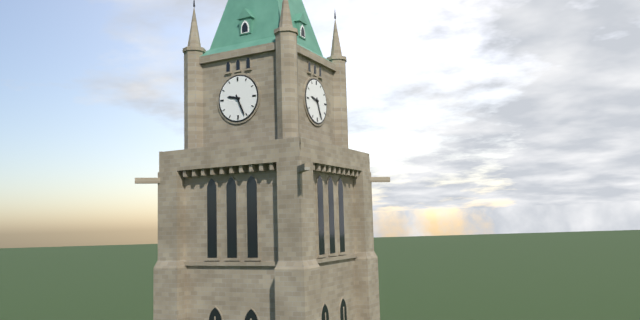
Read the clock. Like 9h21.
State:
9h26
